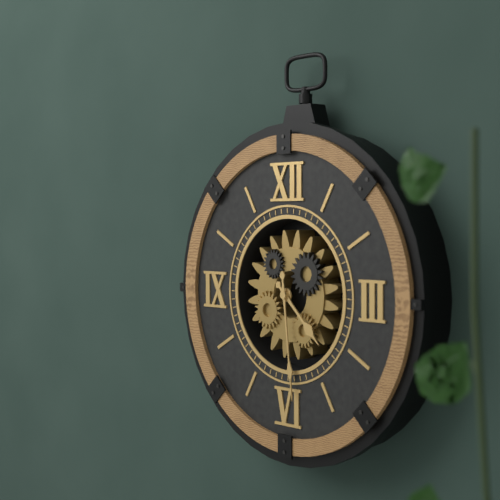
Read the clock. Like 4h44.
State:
4h29
